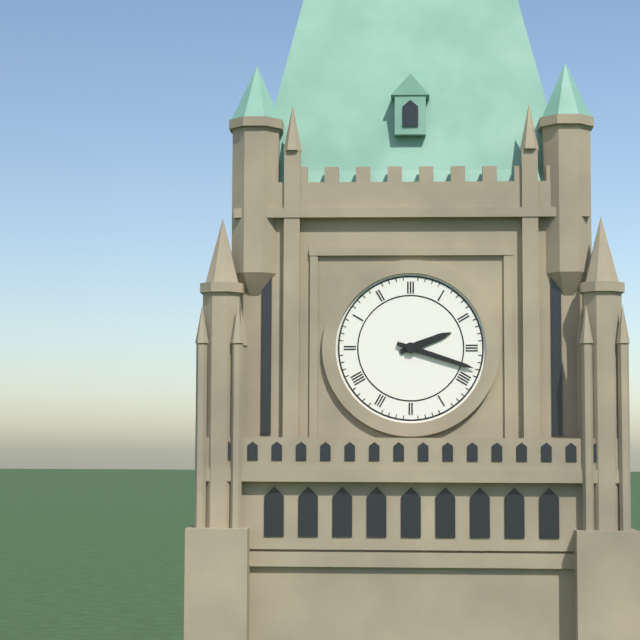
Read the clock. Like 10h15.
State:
2h18
